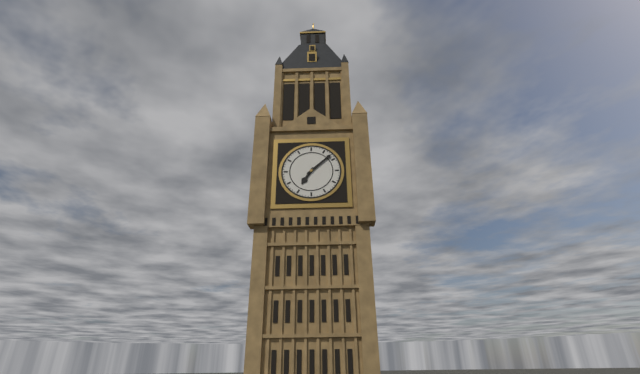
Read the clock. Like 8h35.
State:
7h08
